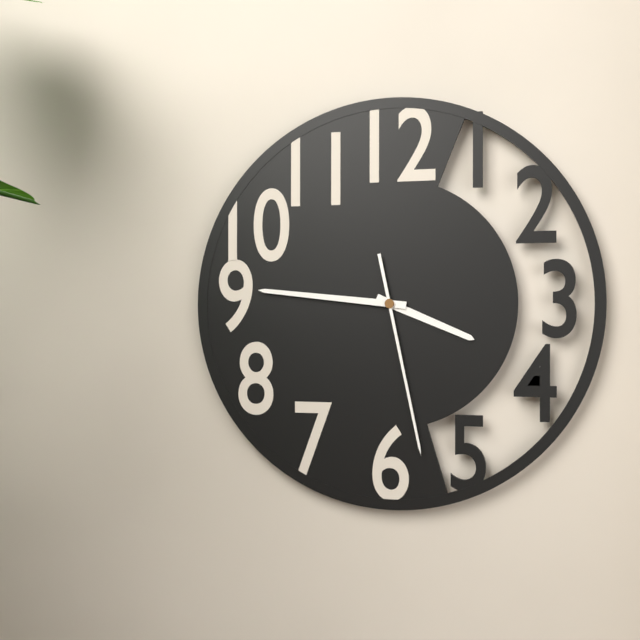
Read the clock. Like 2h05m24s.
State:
3h46m28s
